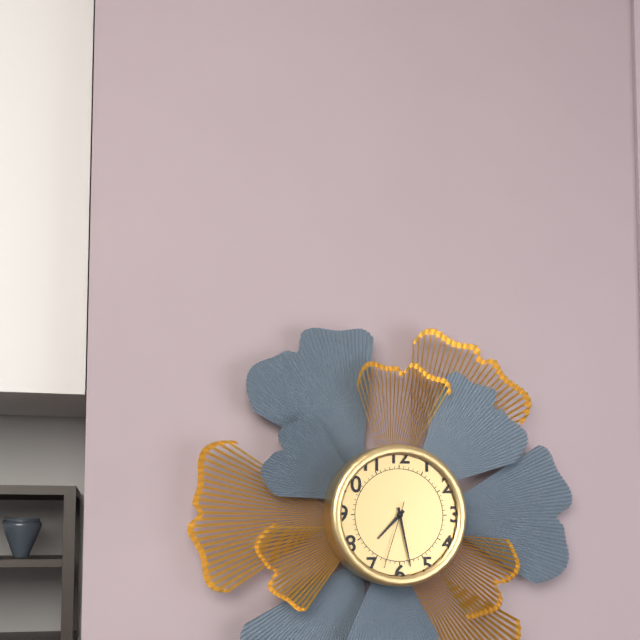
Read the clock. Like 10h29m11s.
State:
7h28m33s
